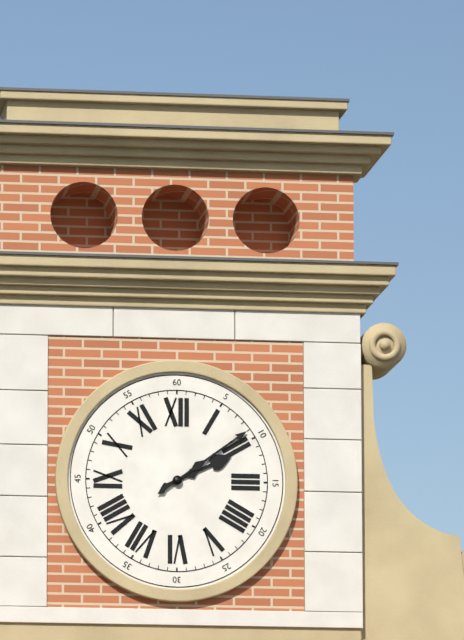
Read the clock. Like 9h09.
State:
2h09
